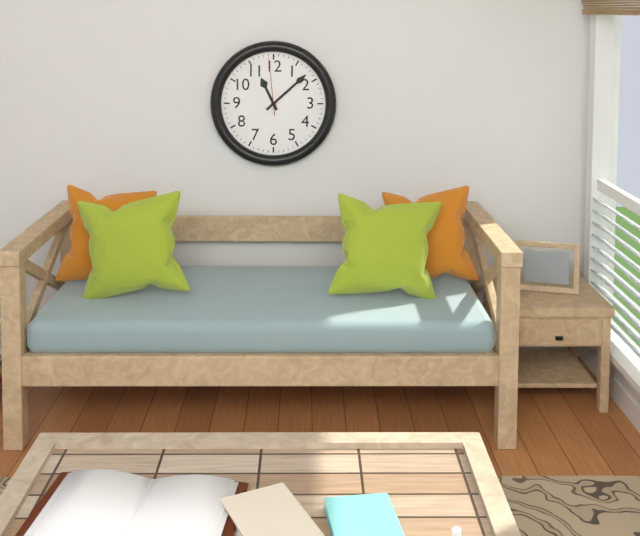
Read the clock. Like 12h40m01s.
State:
11h08m59s
